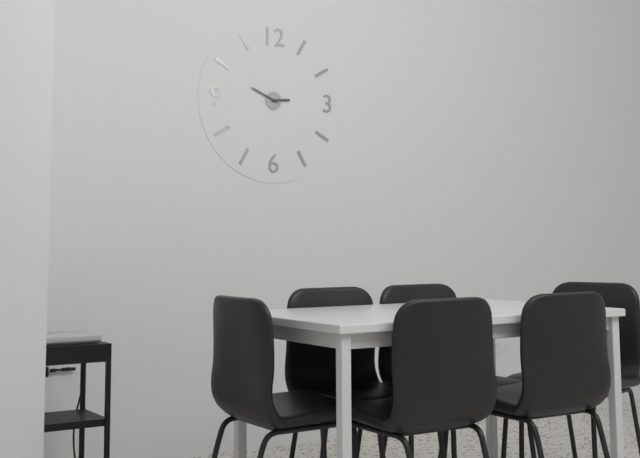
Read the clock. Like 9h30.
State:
2h49
